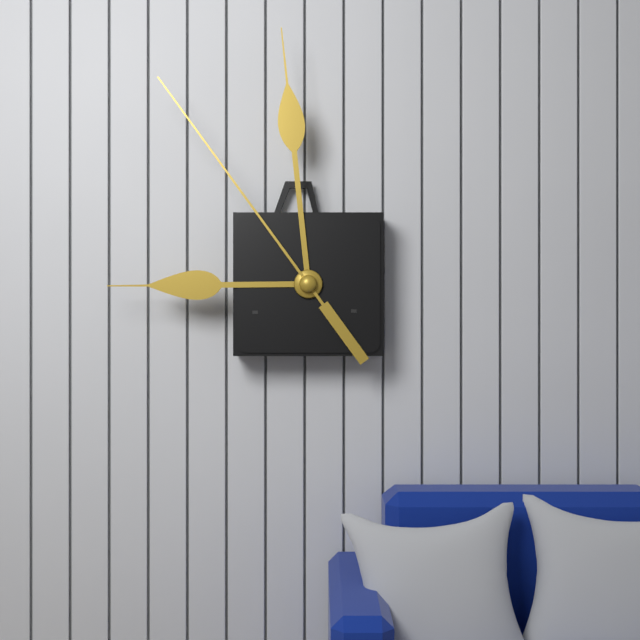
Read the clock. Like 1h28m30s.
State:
8h59m54s
